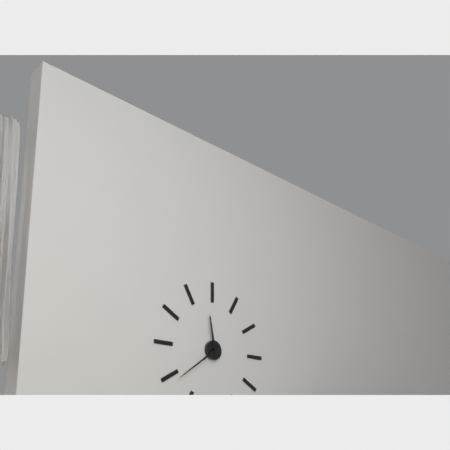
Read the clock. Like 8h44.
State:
11h39
